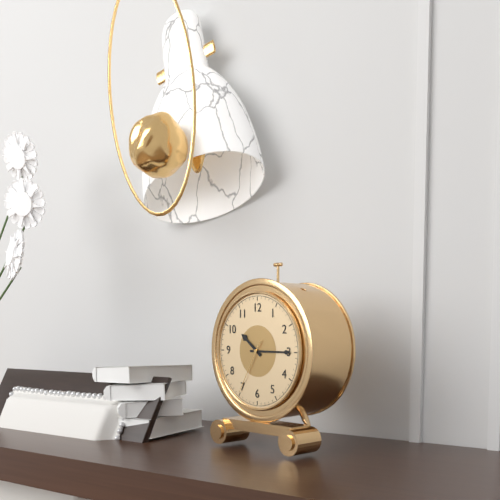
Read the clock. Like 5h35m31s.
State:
10h15m35s
